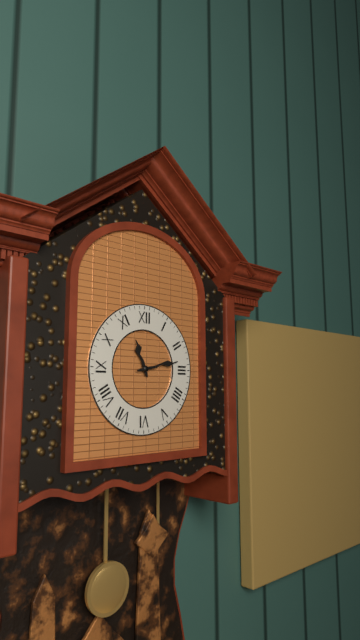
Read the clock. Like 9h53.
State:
11h13
